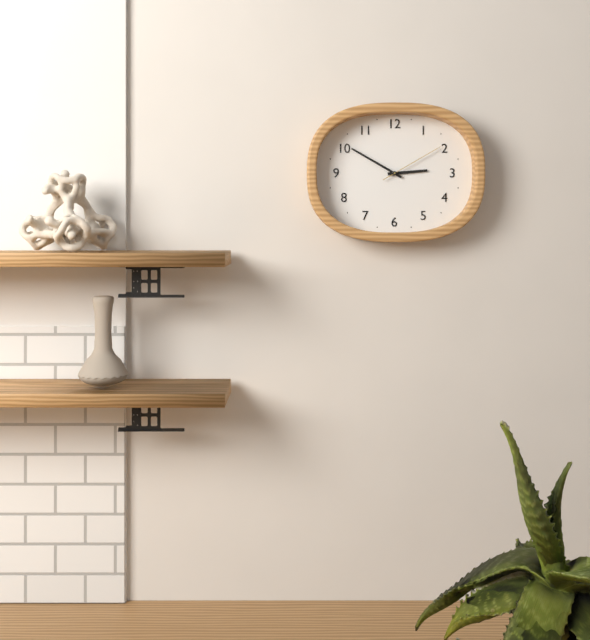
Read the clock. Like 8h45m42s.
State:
2h50m10s
